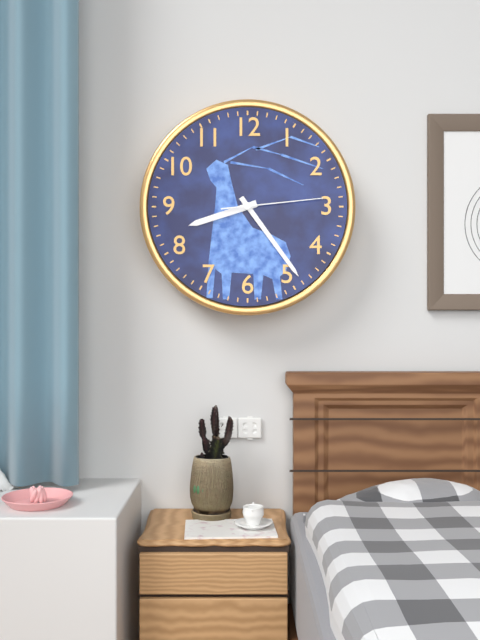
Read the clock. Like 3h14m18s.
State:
8h24m14s
